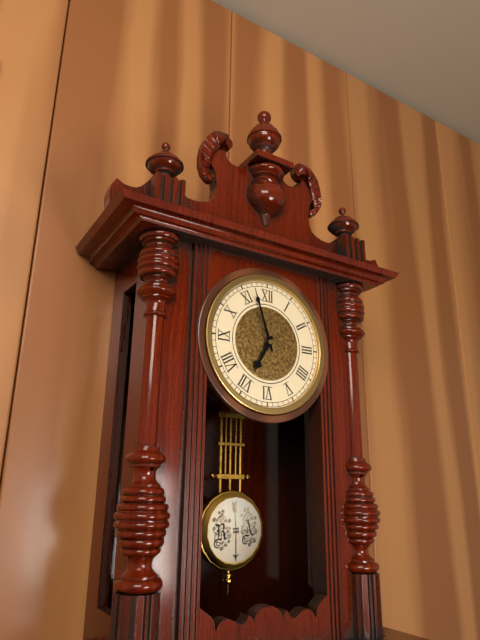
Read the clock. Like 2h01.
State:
6h57
